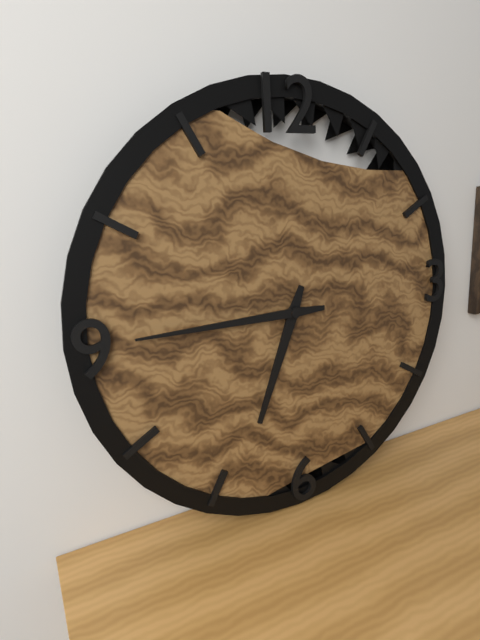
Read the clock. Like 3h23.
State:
6h45
